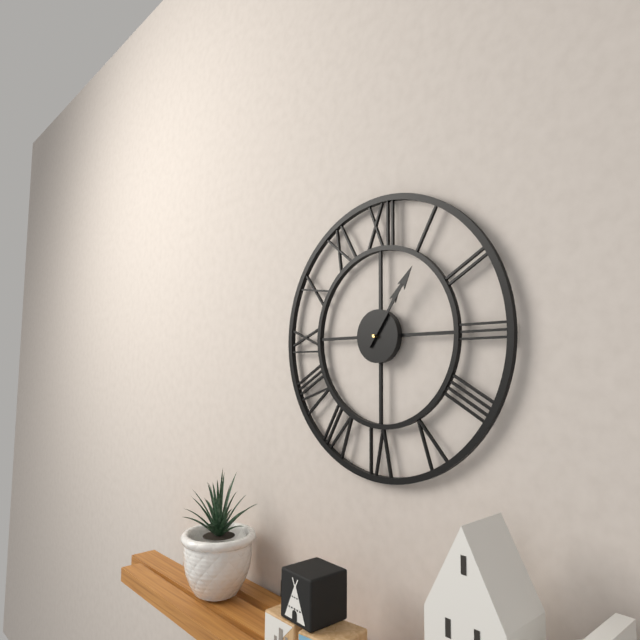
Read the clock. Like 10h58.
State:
1h06
